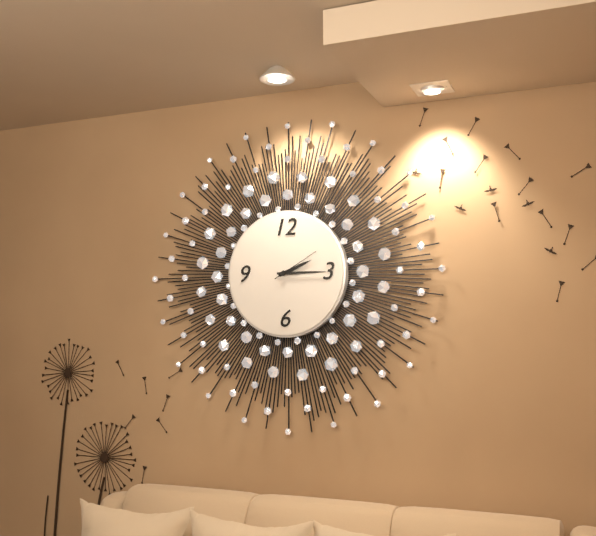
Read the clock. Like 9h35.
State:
2h15
